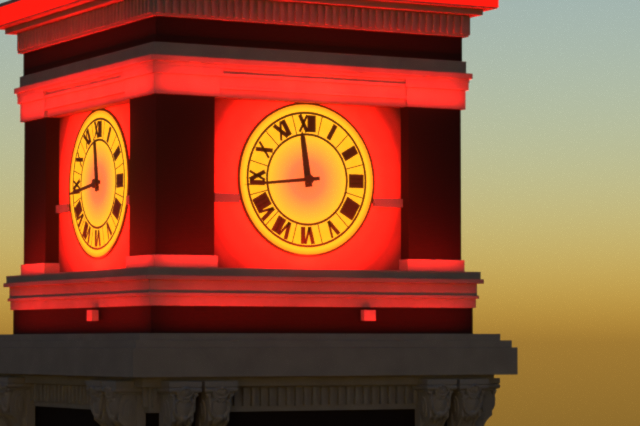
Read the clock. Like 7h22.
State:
11h44
